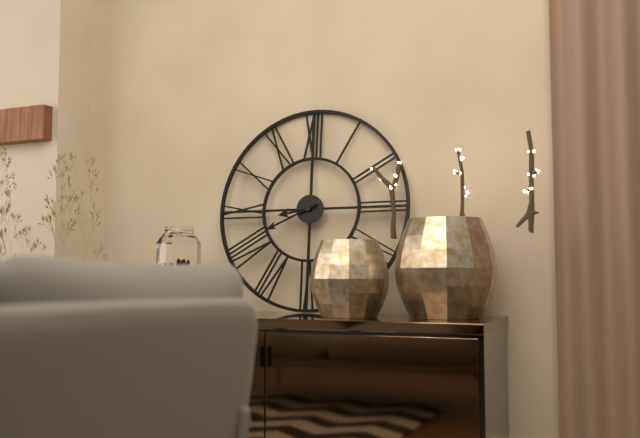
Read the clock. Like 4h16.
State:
8h41
